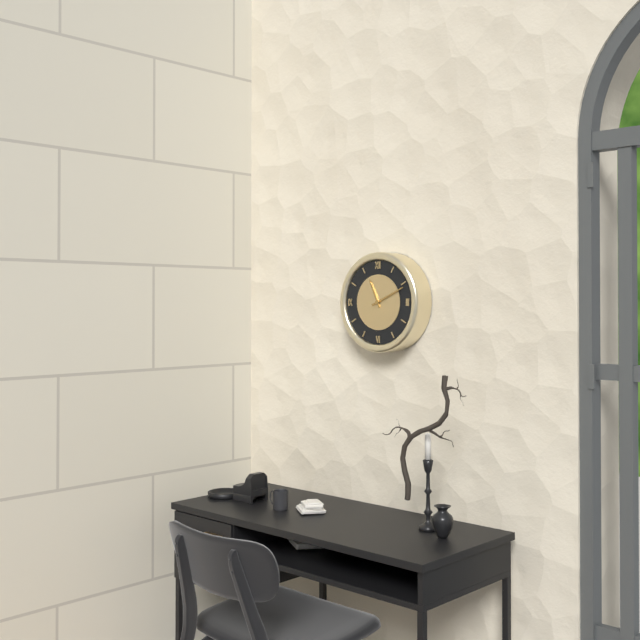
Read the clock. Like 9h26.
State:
11h11
